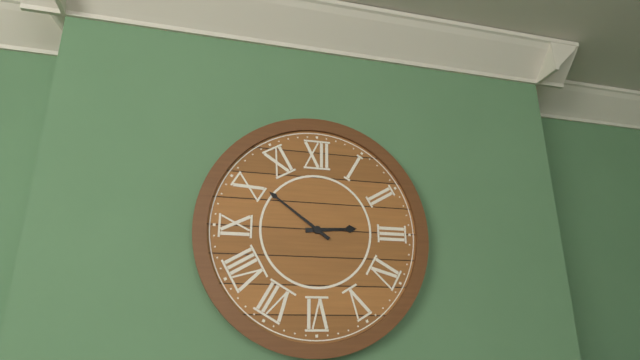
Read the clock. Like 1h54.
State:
2h51
